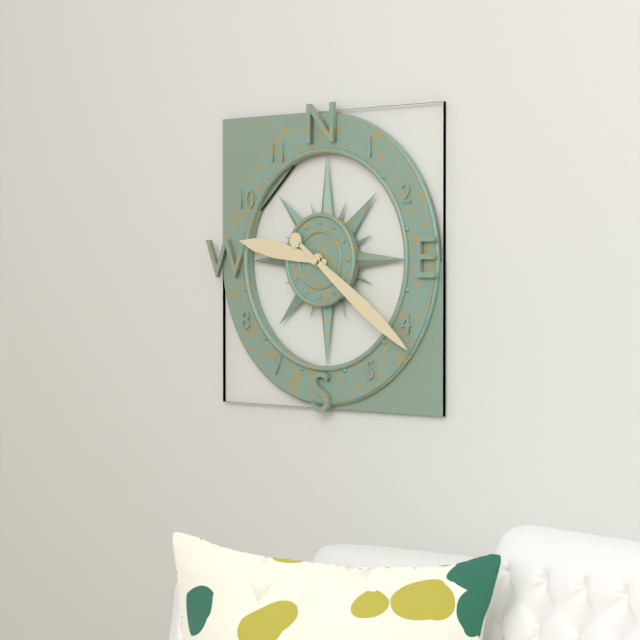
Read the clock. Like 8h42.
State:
9h21
